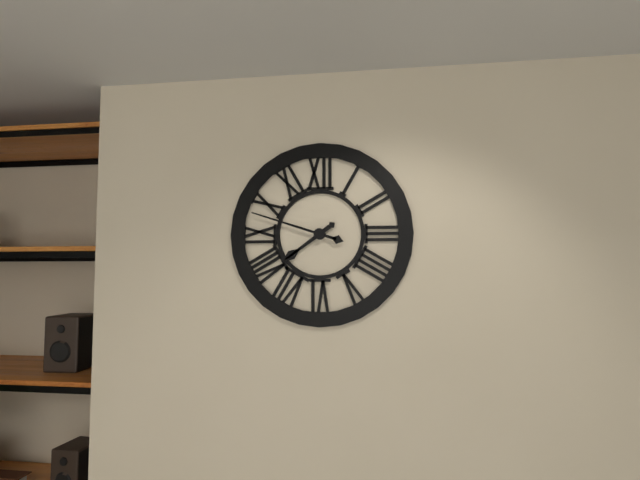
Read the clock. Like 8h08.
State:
7h48
